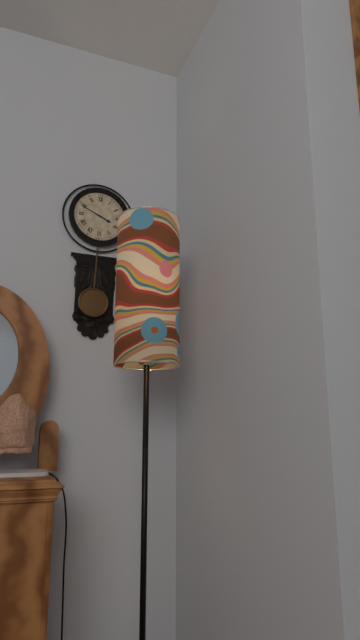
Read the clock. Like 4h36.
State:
3h49
